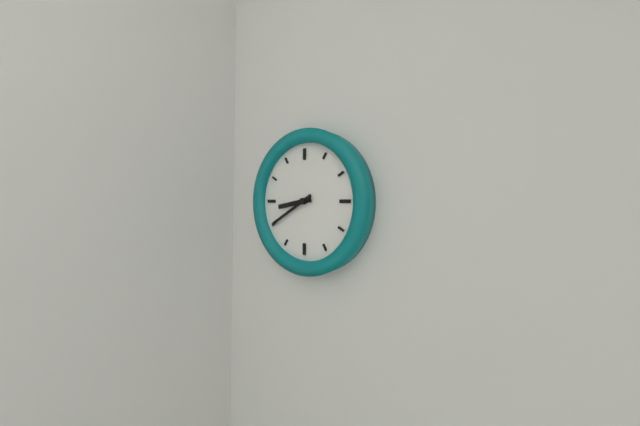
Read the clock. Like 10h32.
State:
8h40
